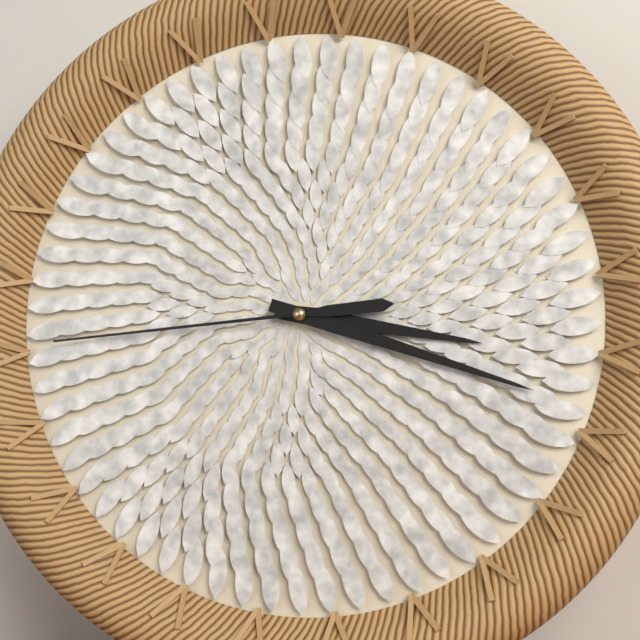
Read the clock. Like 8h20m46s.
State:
3h18m44s
